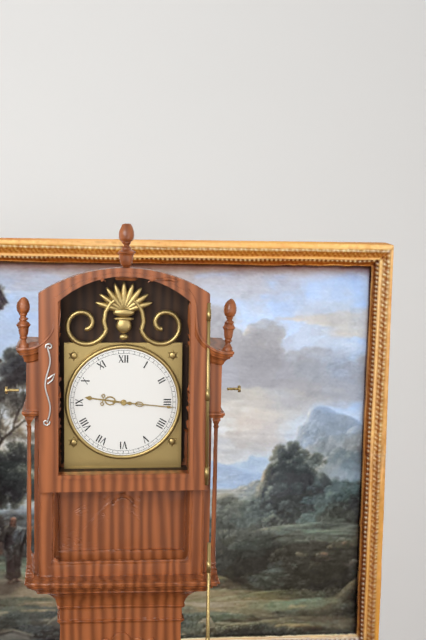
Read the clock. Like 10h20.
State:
9h16
